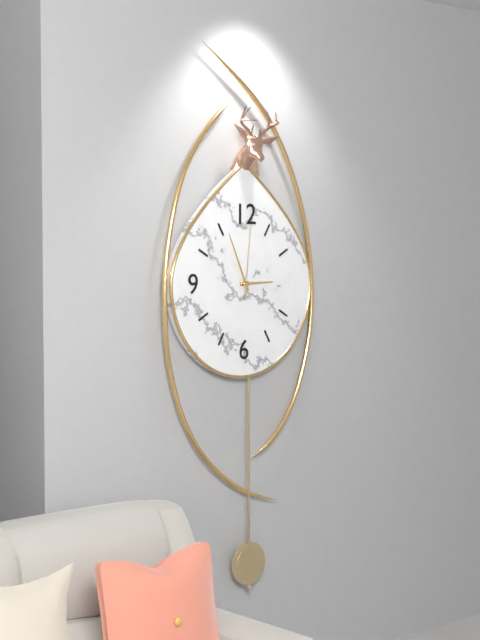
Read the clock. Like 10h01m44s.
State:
2h56m01s
